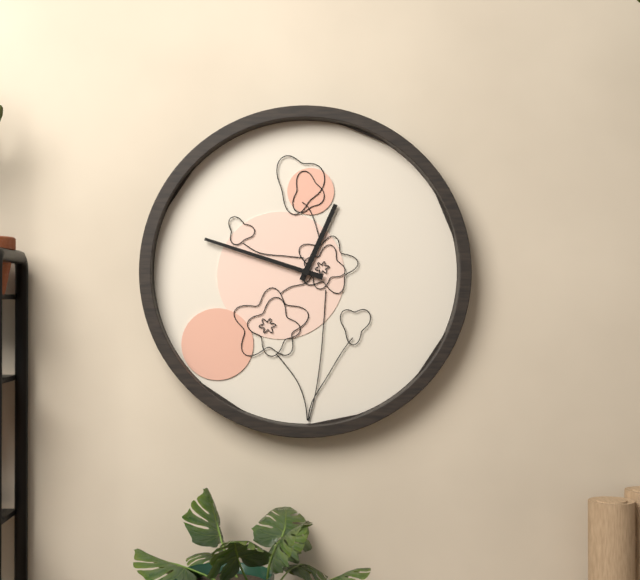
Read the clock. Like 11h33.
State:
12h48
